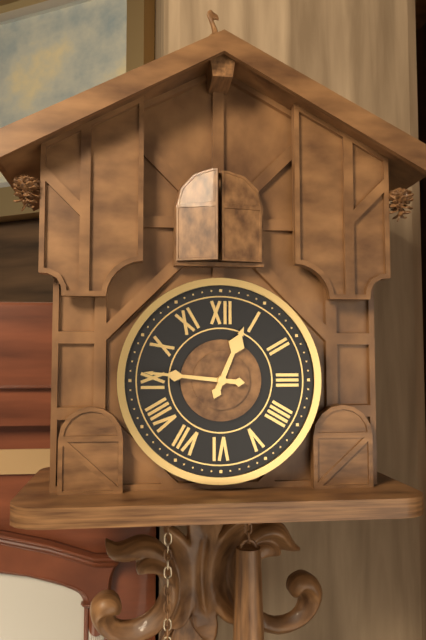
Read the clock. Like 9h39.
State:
12h46
